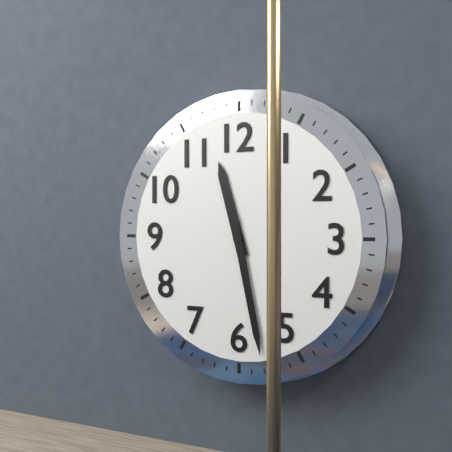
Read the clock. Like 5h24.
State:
11h28
